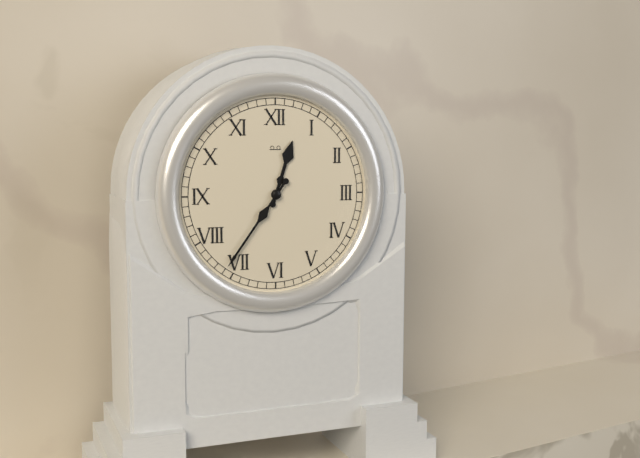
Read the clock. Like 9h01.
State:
12h36
